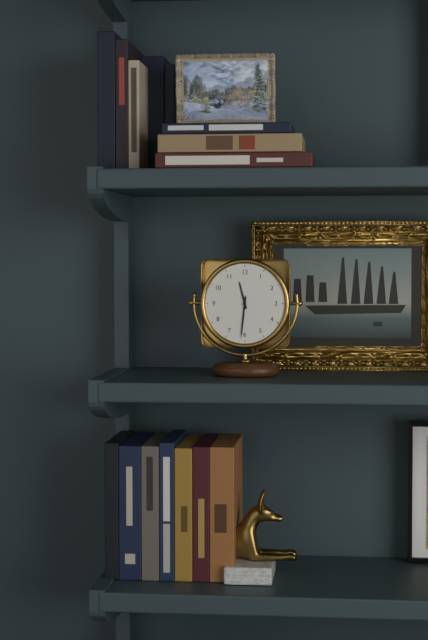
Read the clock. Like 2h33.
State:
11h31
